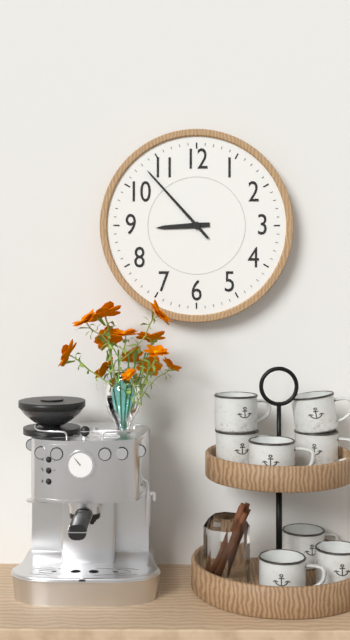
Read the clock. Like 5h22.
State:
8h53
